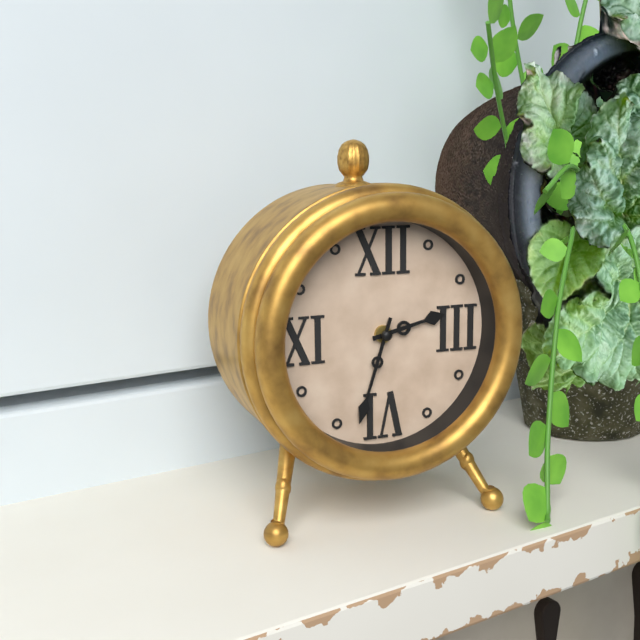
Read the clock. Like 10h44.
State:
2h33
